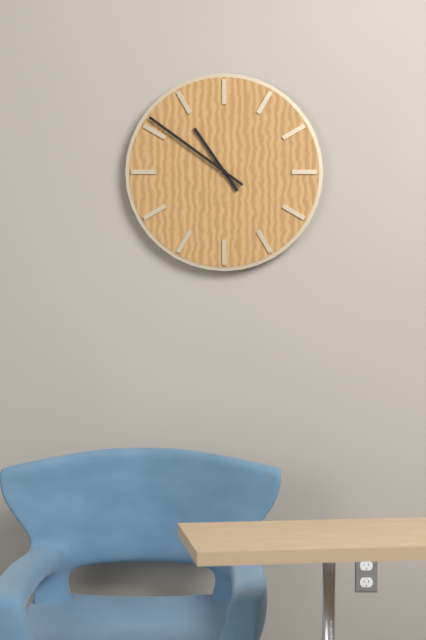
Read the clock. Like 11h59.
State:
10h51
